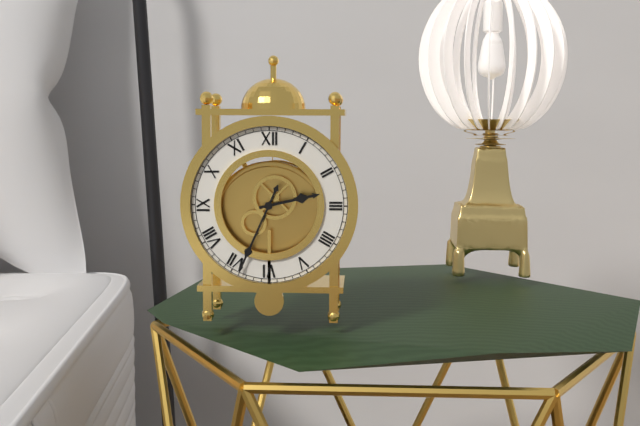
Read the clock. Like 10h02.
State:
2h34
